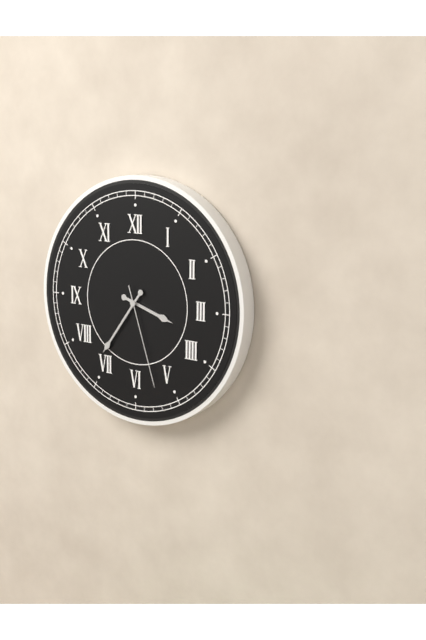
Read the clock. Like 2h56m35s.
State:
3h36m27s
